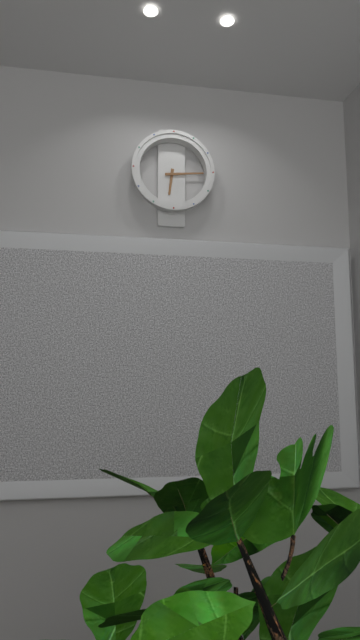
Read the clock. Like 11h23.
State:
6h14
